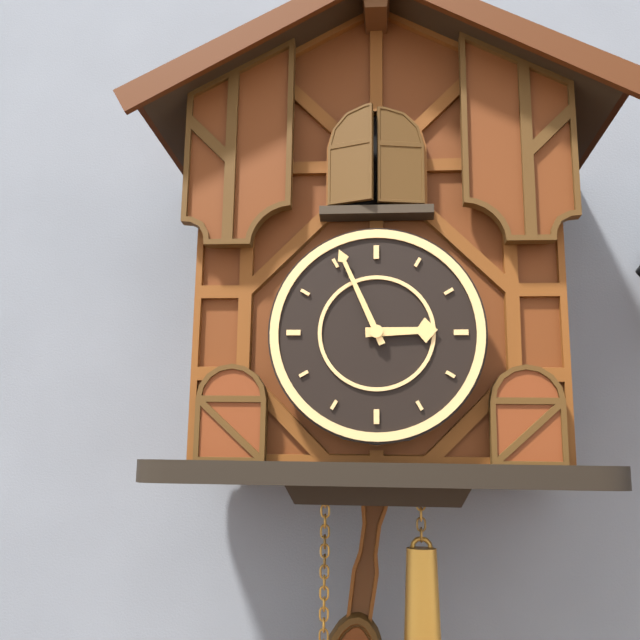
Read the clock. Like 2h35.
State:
2h56
